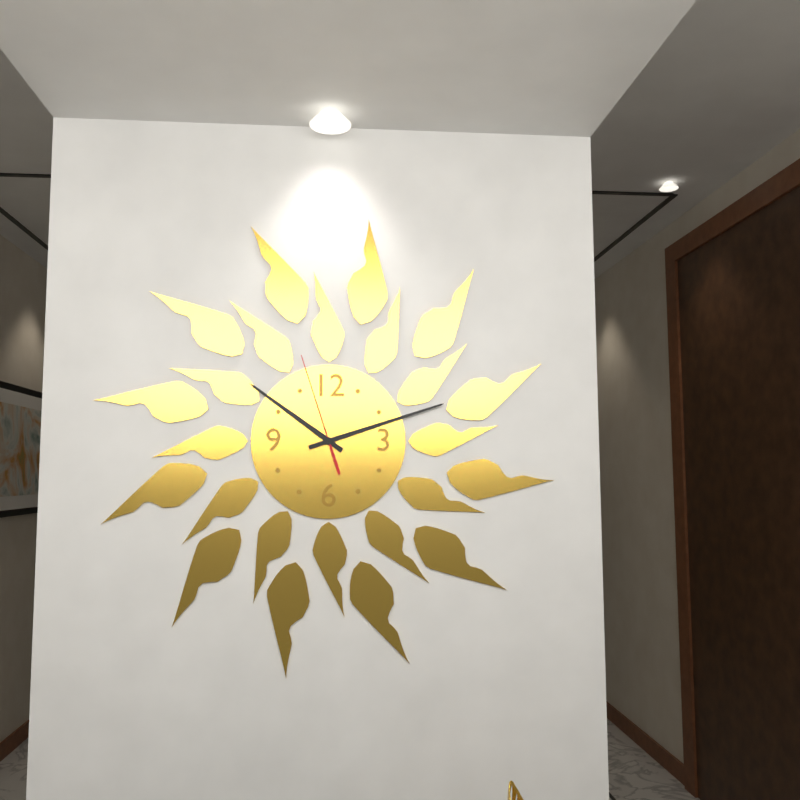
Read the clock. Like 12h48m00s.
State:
10h12m57s
